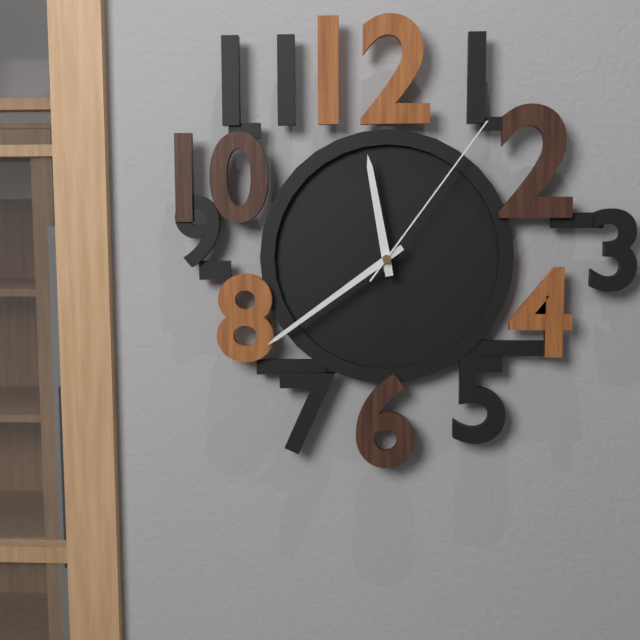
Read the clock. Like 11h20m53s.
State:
11h39m06s
